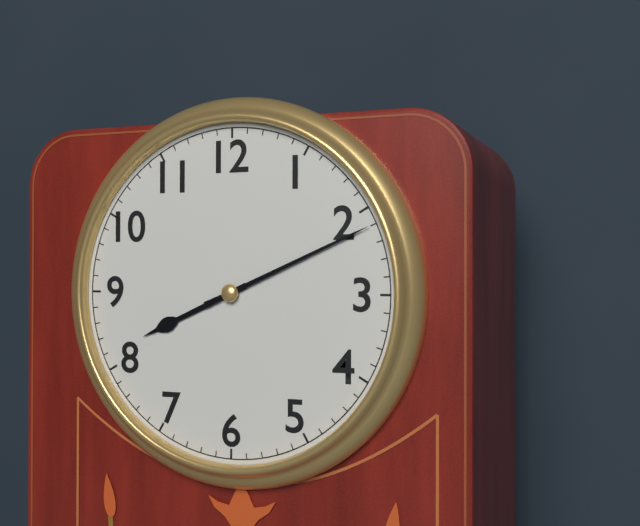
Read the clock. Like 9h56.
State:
8h11
